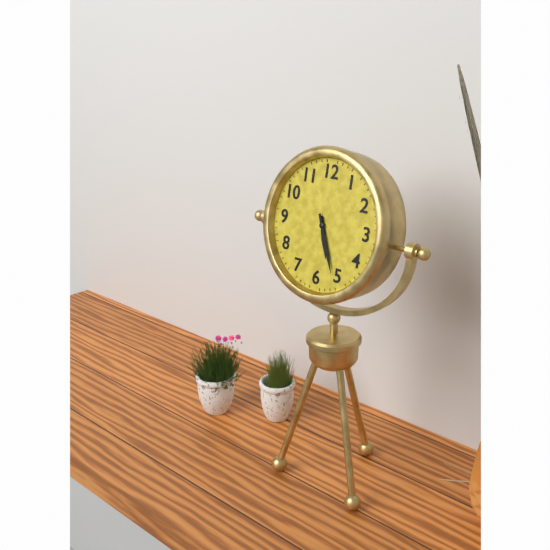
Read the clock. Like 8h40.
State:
5h26
